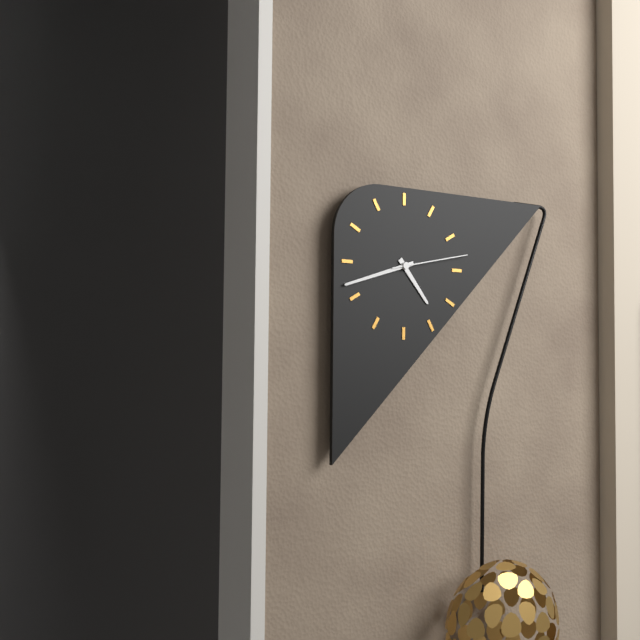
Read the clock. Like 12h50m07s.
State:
4h42m13s
